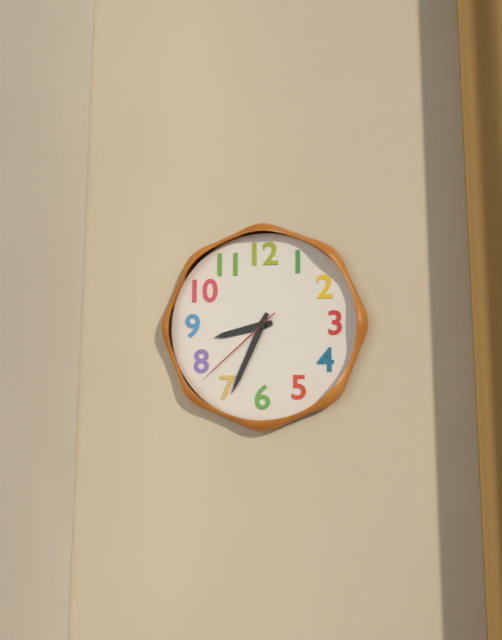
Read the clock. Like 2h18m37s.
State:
8h34m38s
